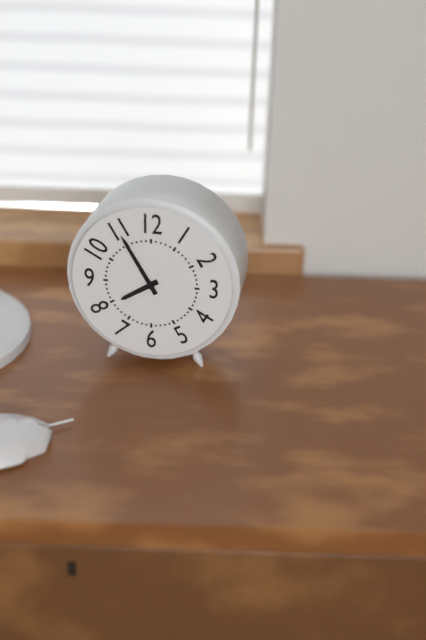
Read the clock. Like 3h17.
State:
7h55
